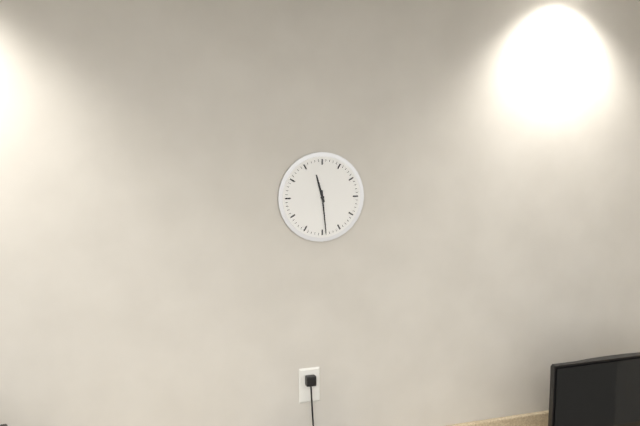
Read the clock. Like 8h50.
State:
11h29
